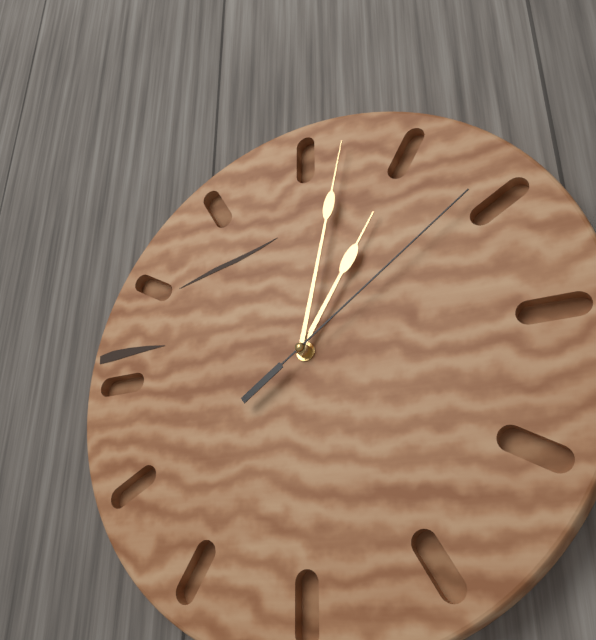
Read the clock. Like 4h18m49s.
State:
1h02m09s
